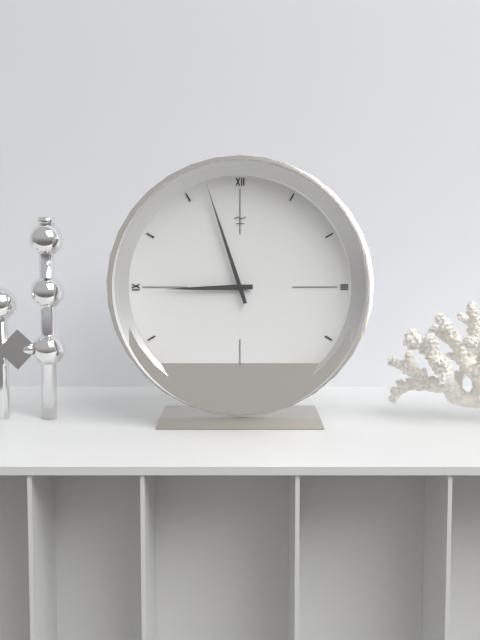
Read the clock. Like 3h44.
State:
8h57
